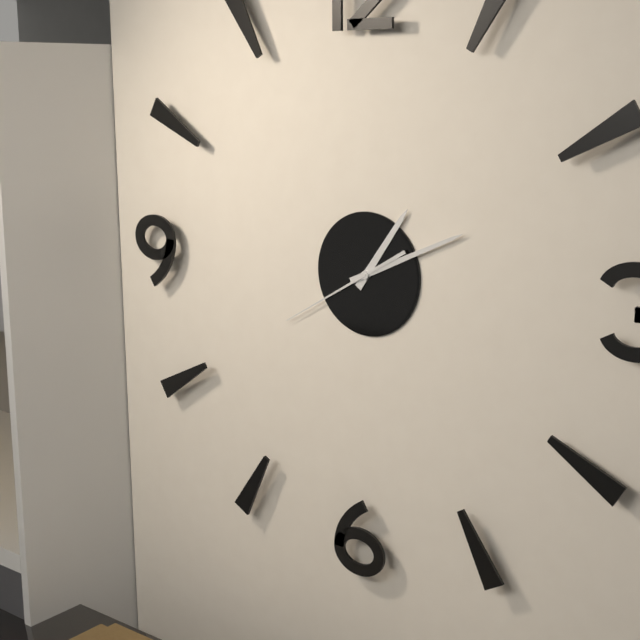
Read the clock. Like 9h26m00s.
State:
1h11m40s
